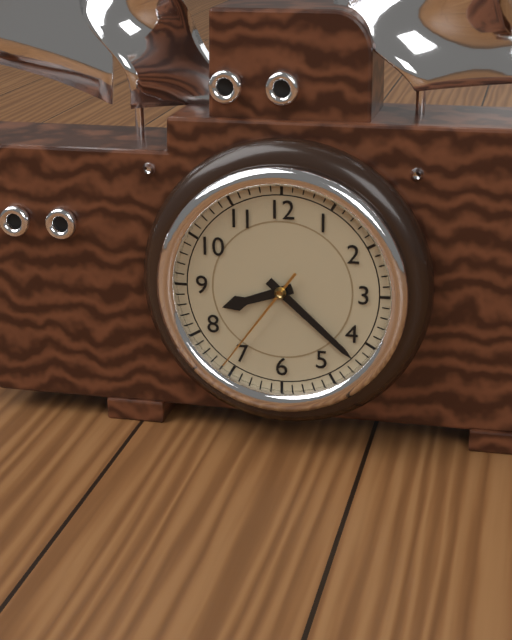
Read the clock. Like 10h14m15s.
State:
8h22m36s
